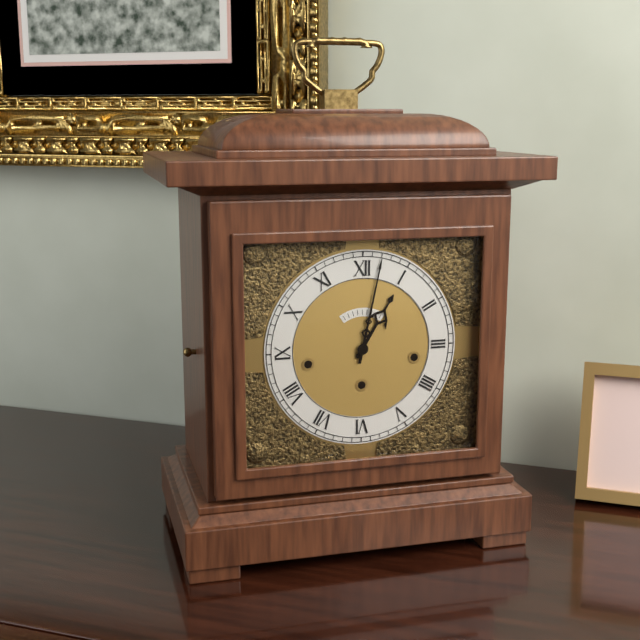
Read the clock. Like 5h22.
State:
1h02
